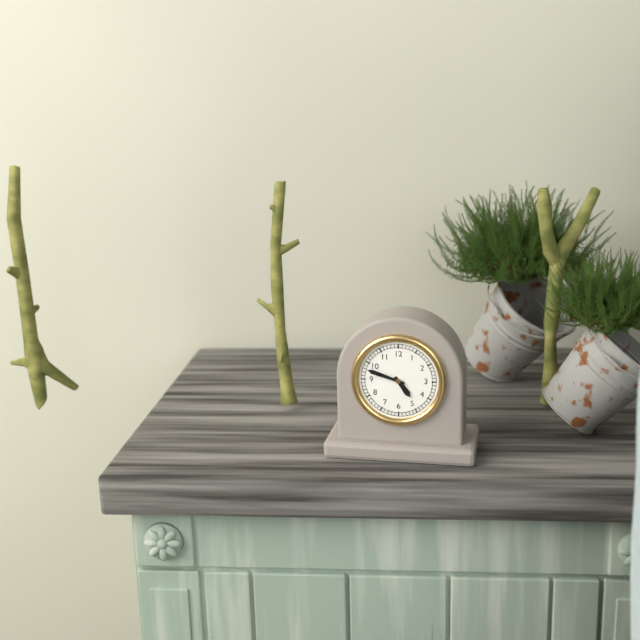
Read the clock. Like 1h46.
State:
4h48
